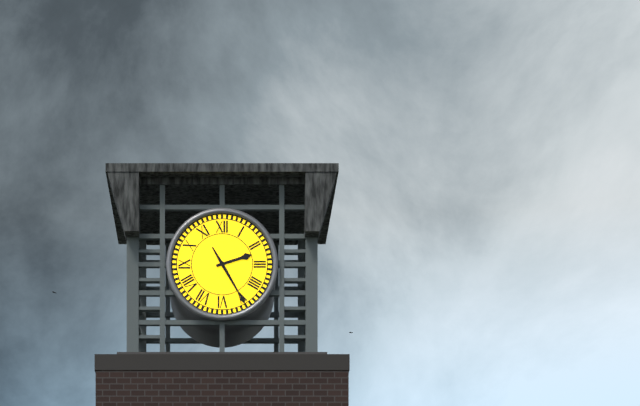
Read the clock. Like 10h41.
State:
2h25
